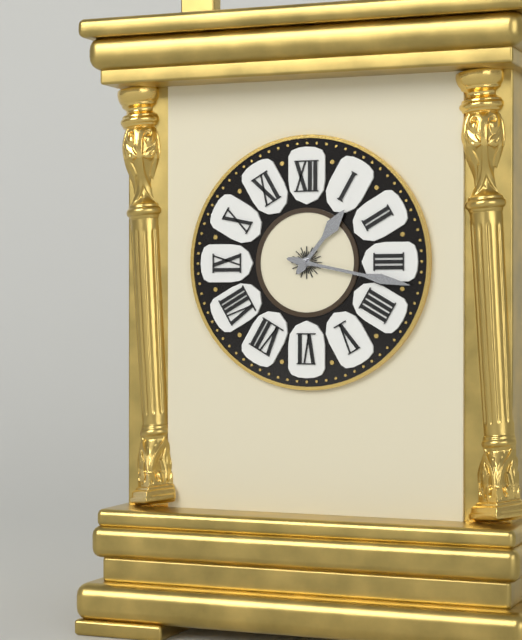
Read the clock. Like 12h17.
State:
1h17
